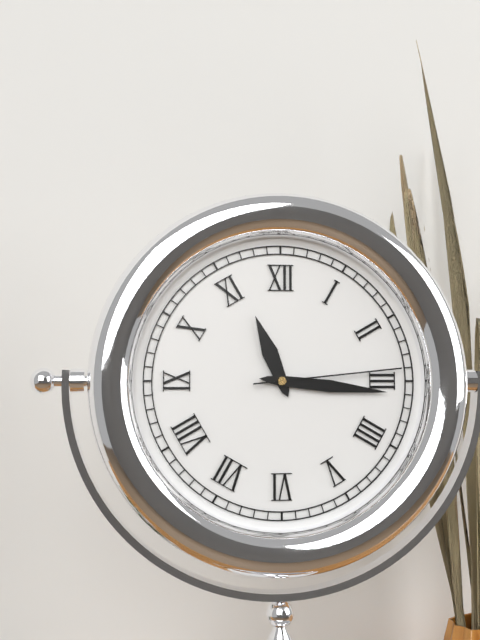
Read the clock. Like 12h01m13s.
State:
11h16m14s
